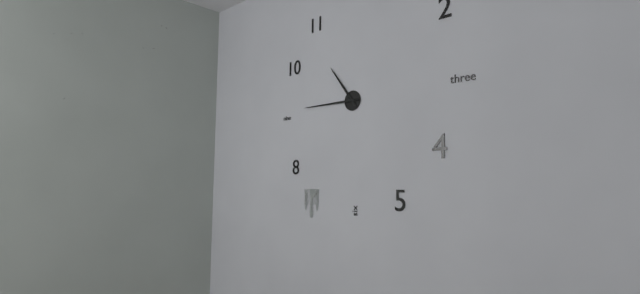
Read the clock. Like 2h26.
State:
10h45
